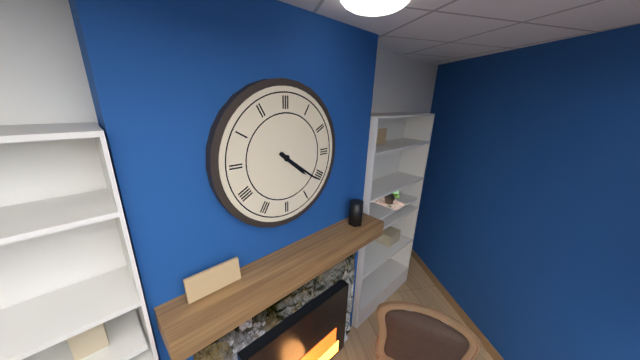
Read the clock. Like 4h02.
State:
4h21
